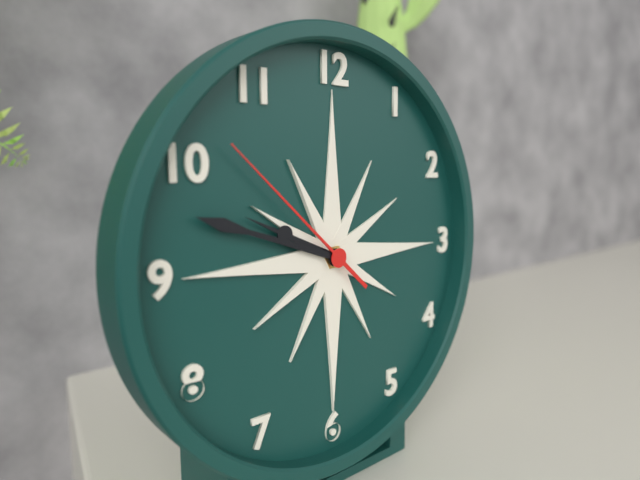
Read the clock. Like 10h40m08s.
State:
9h48m52s
